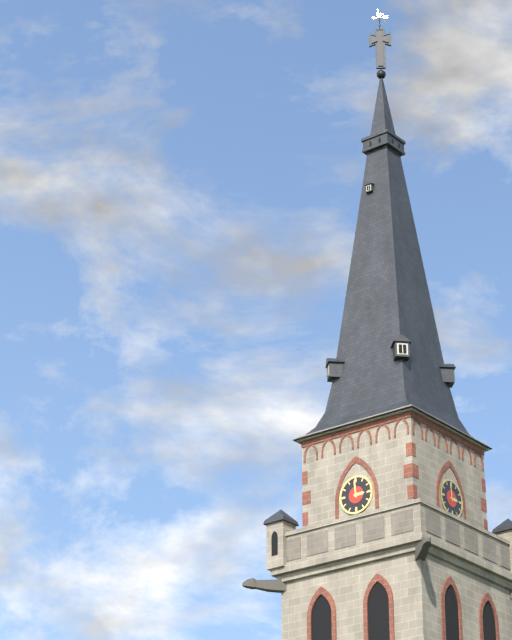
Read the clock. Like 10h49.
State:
2h59
